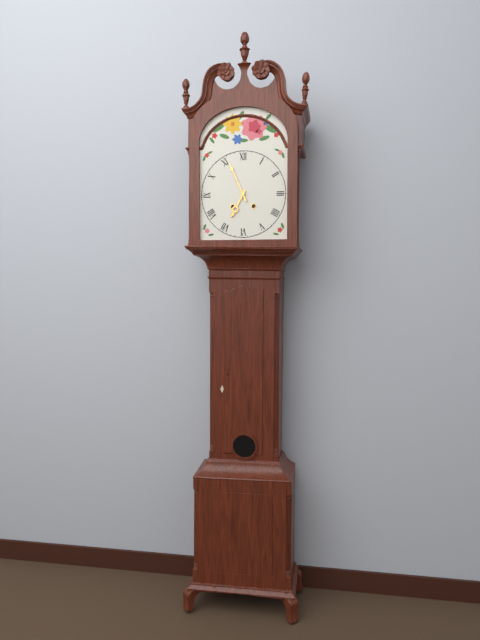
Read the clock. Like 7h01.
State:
6h56
